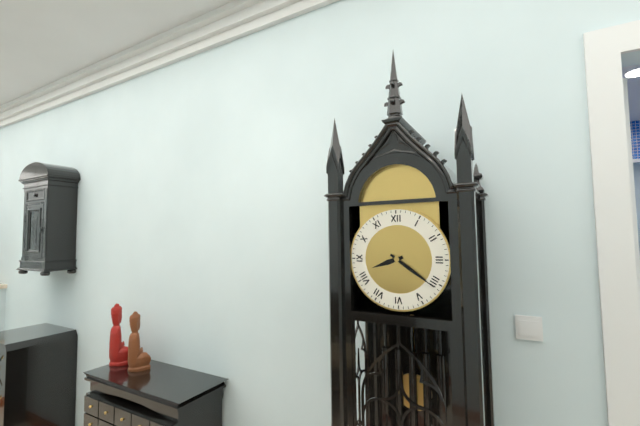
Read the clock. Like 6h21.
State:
8h21
